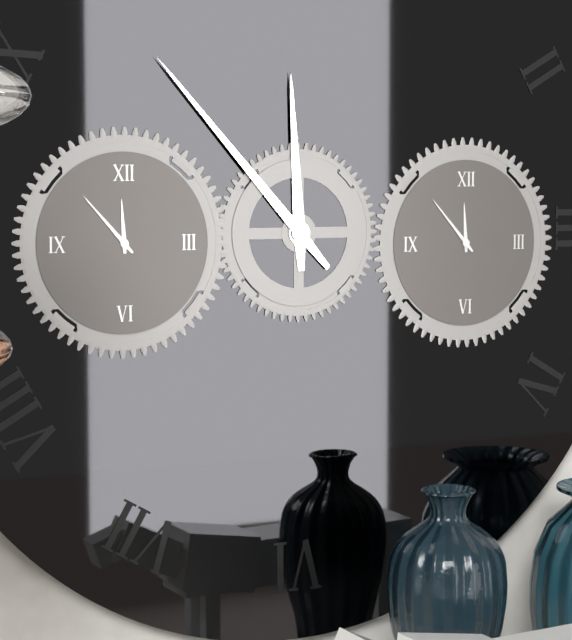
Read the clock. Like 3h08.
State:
11h53
